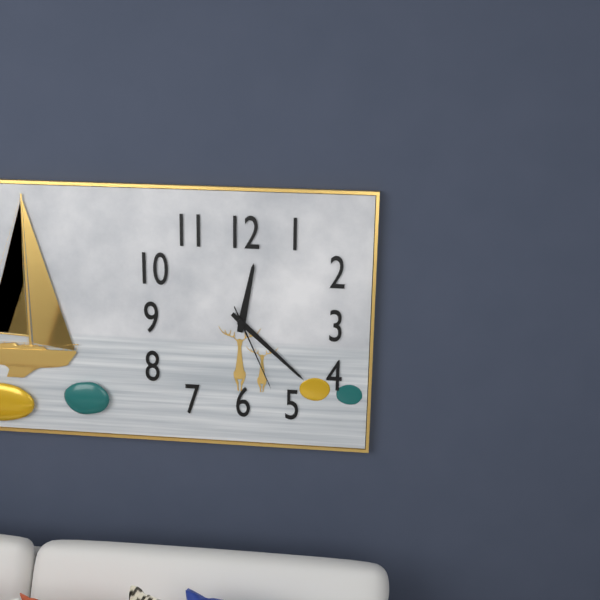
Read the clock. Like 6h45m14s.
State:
12h22m26s
